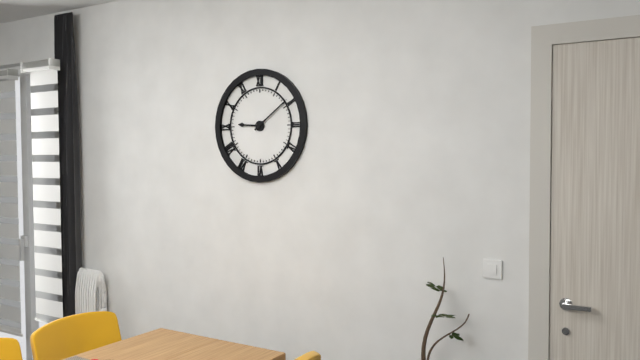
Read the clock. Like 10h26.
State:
9h09
